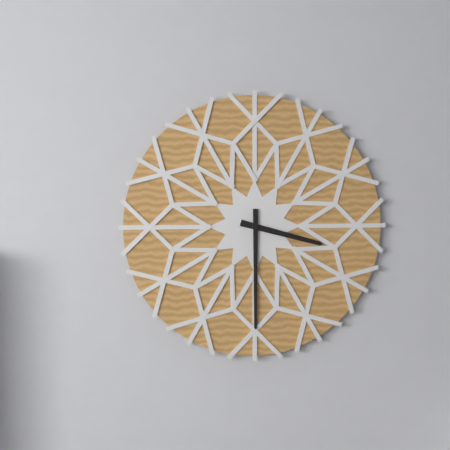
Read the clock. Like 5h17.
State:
3h30
